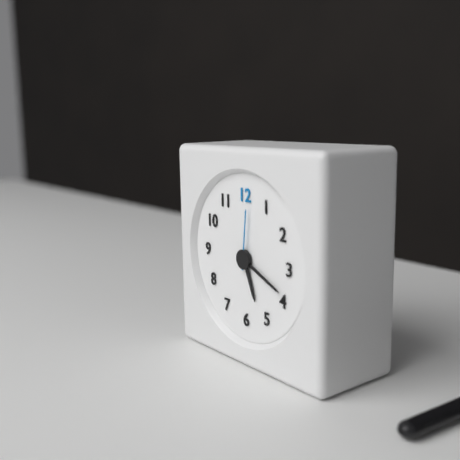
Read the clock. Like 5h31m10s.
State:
5h19m01s
